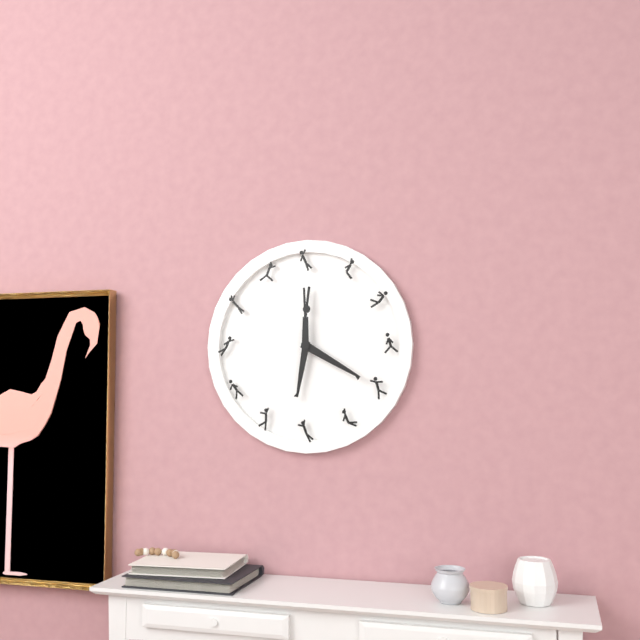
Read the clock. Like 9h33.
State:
6h20
